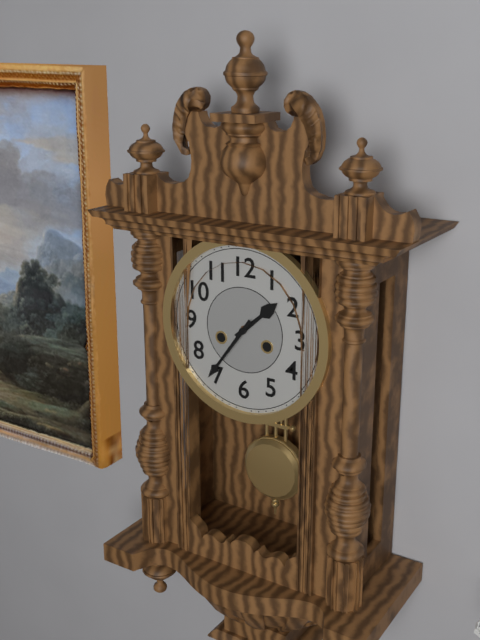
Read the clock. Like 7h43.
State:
1h36
